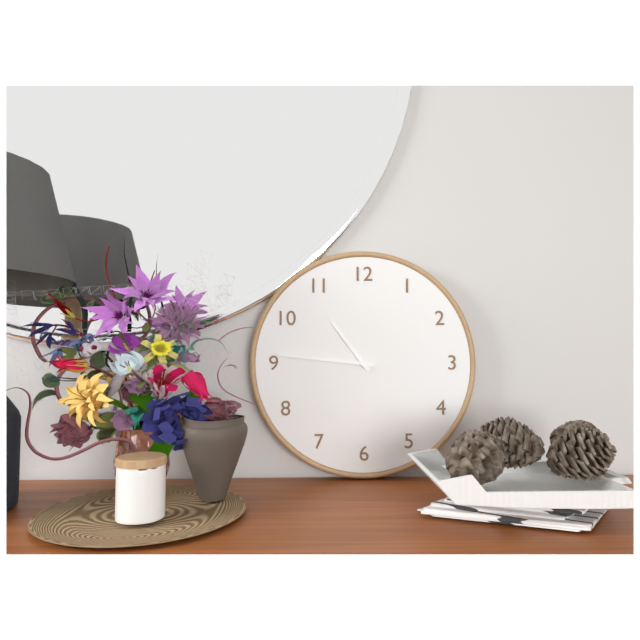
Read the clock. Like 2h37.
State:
10h46
